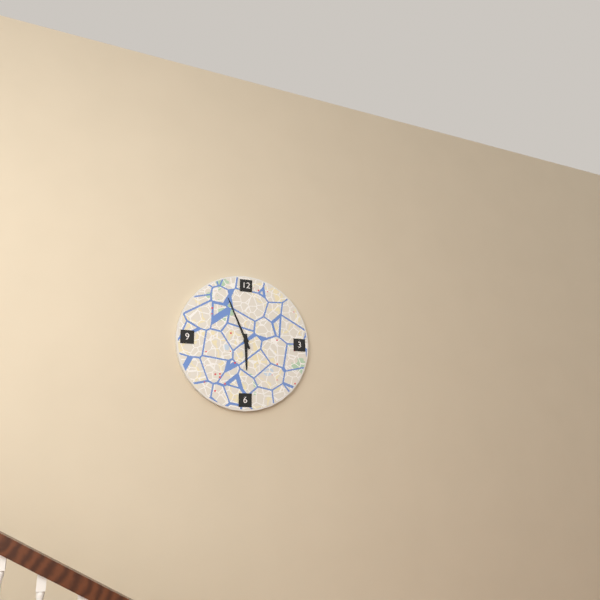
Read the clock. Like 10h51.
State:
5h56
